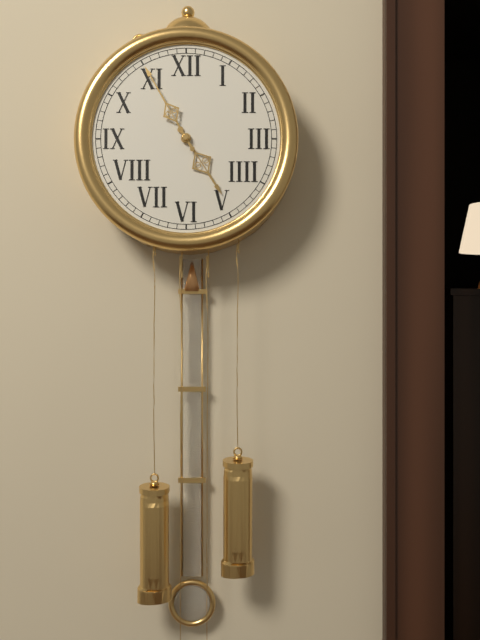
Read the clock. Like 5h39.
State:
4h55
